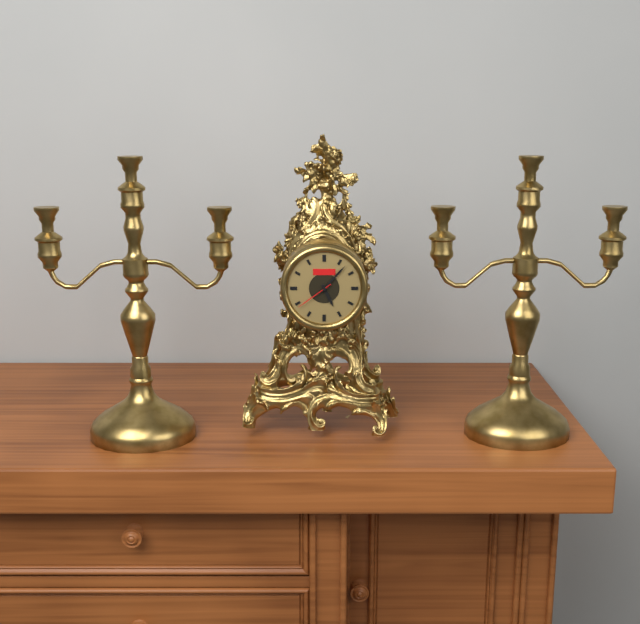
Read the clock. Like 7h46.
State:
5h07
